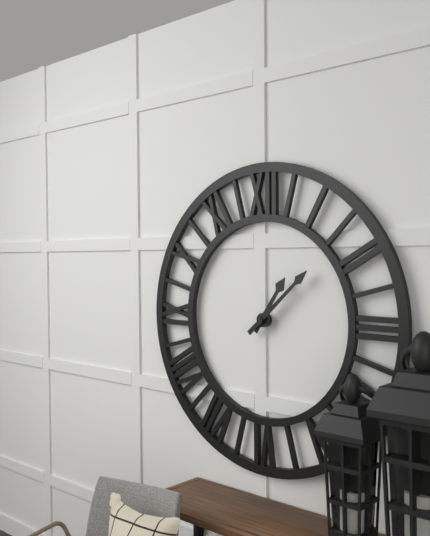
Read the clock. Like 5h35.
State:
1h08
